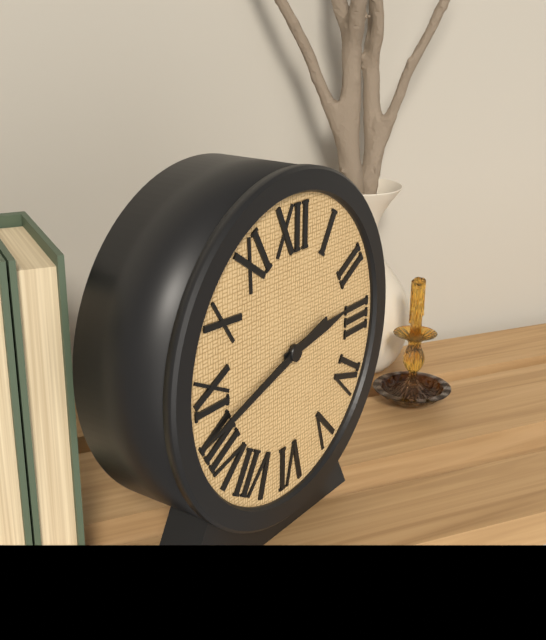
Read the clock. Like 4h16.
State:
2h42
